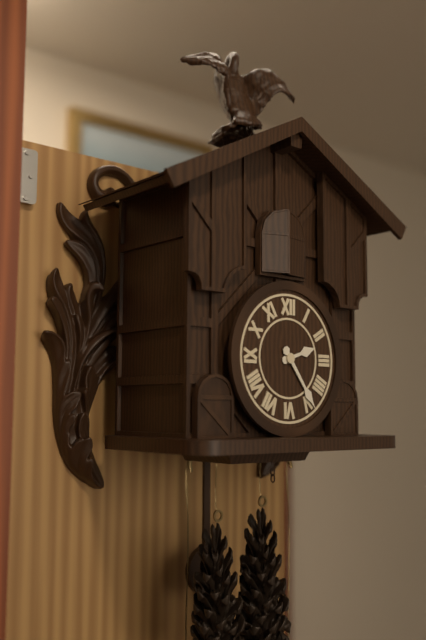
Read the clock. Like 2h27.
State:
2h24
